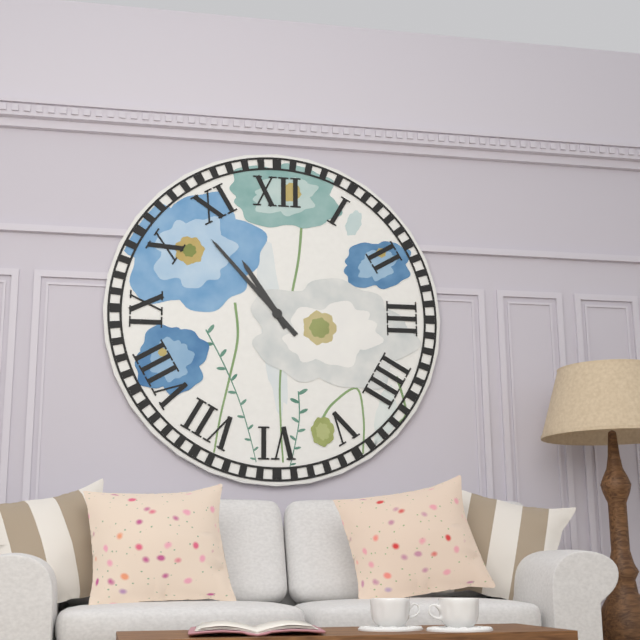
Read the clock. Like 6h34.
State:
10h53
